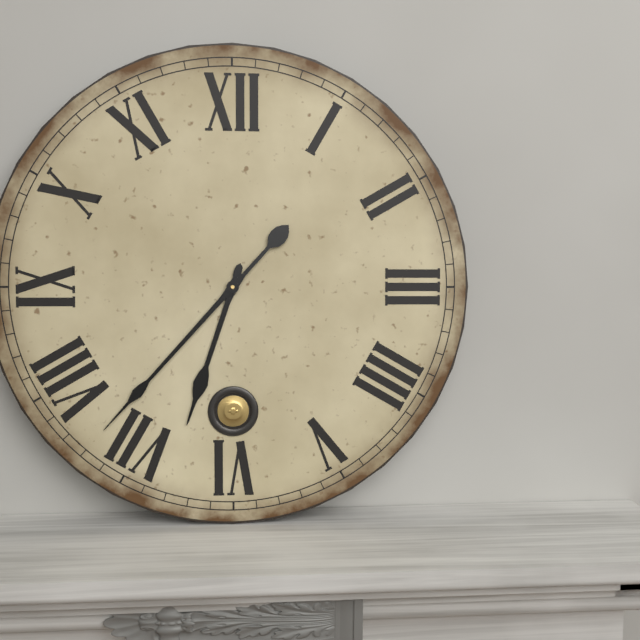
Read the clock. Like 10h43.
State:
6h37
